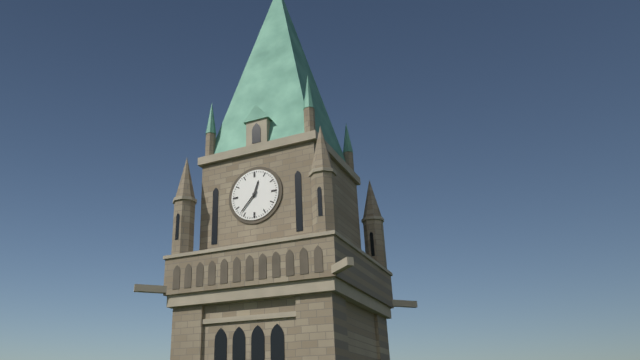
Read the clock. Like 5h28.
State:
12h37
